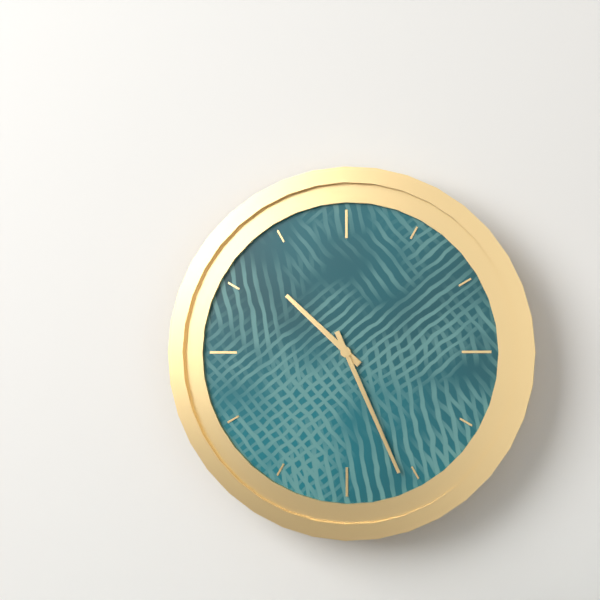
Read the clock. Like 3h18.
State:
10h26
